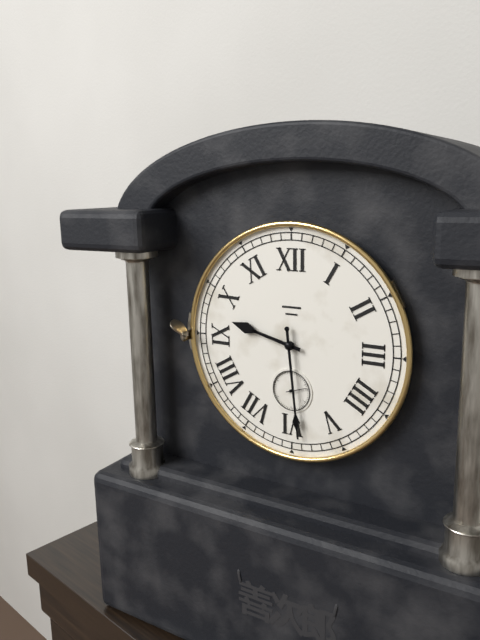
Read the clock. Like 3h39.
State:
9h29
